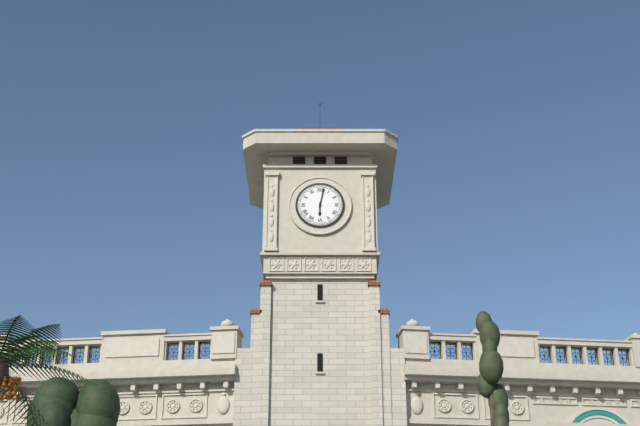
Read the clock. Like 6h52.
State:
6h02
